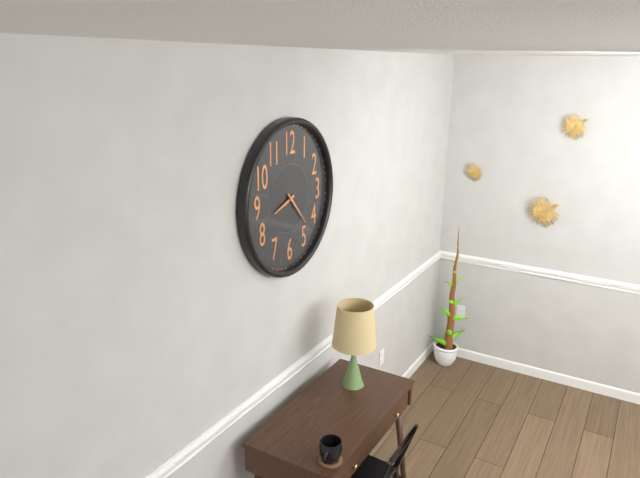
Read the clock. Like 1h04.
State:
8h23
